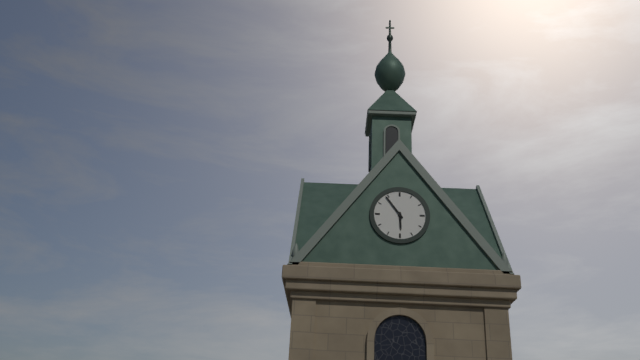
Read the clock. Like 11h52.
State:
5h54
